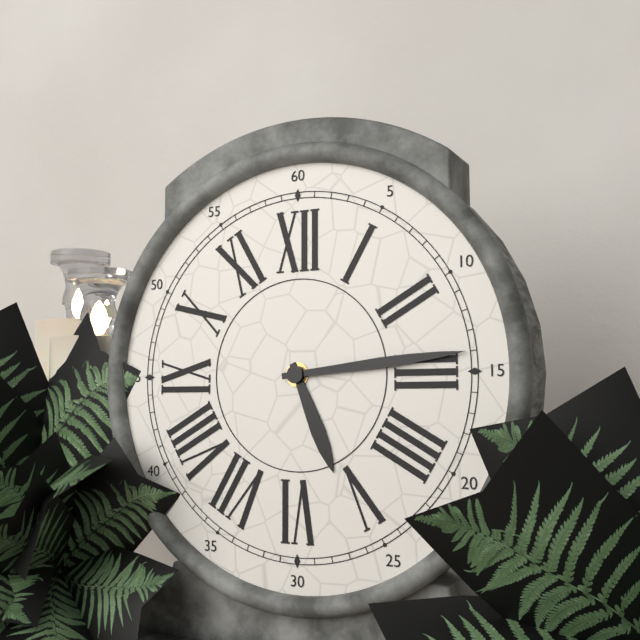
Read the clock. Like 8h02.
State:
5h14
